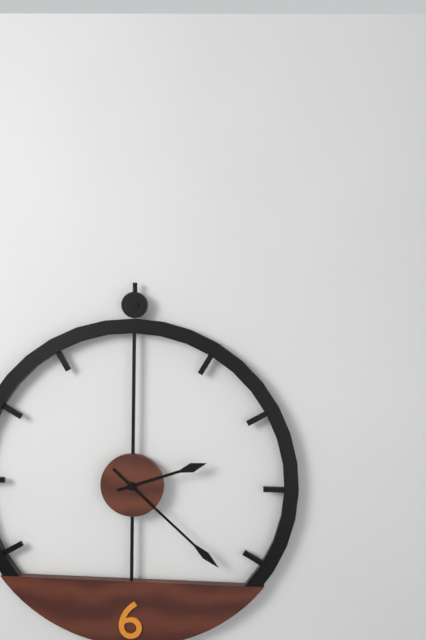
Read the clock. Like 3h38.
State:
2h22
